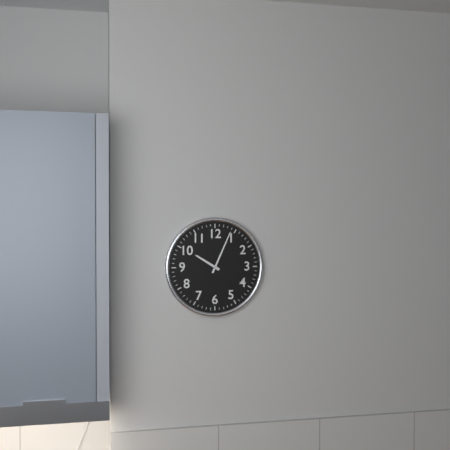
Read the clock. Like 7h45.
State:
10h04
